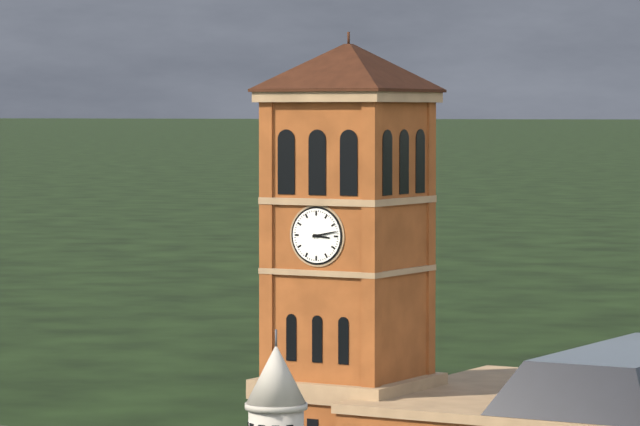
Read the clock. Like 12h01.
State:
3h13
